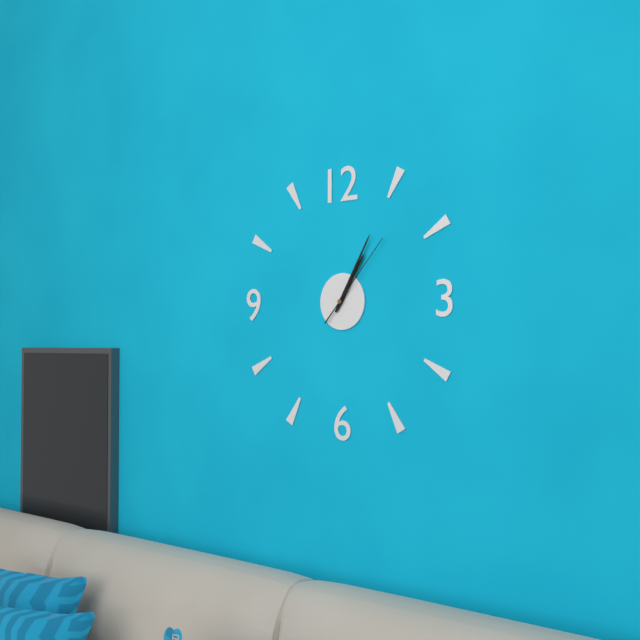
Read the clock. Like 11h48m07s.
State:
1h05m07s
